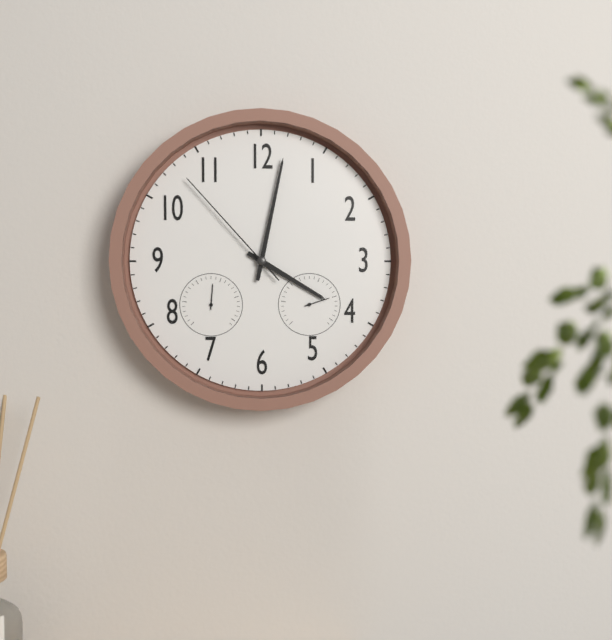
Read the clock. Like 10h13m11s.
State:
4h02m53s
